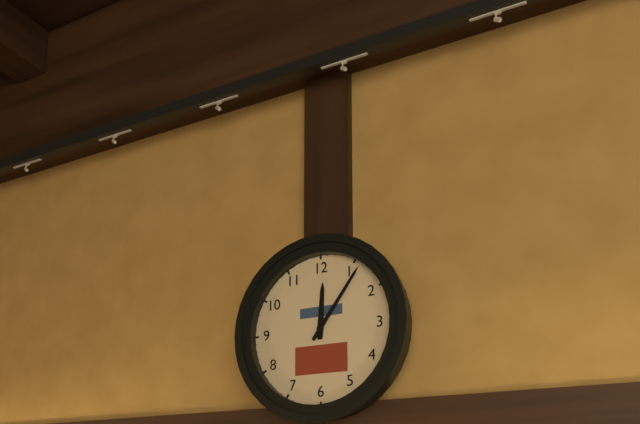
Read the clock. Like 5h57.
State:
12h06
